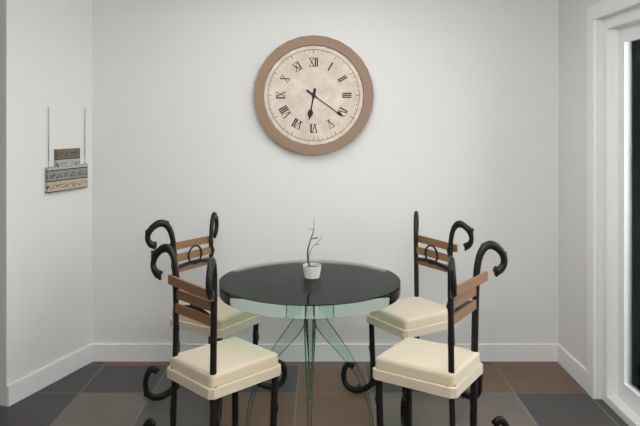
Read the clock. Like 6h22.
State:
6h21
